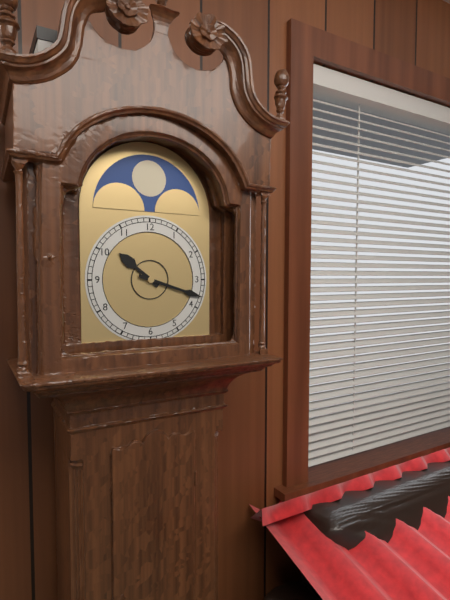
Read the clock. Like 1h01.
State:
10h18
